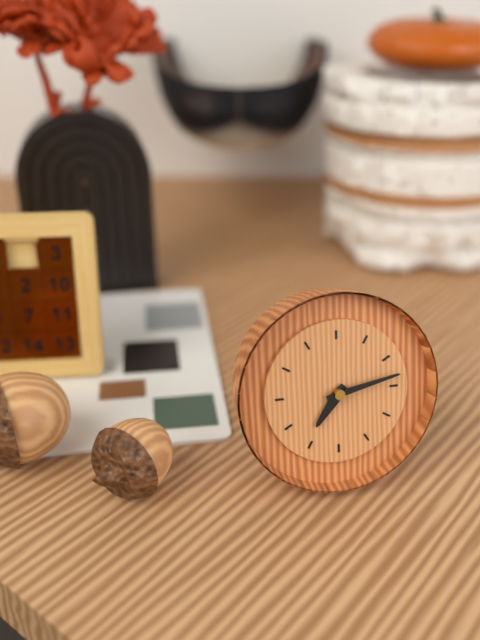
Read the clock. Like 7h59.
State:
7h13
